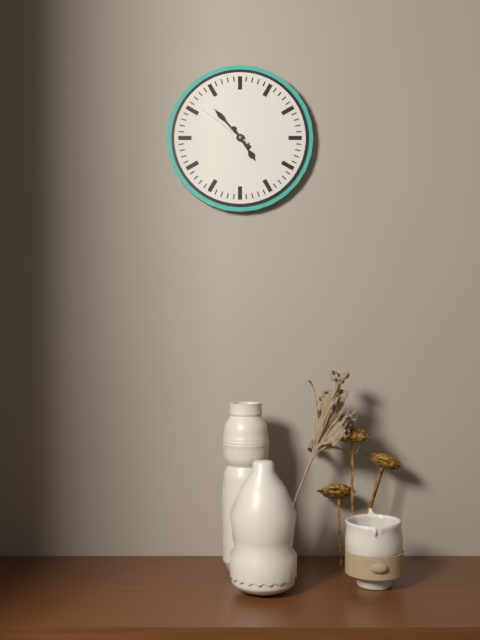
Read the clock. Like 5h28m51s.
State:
4h53m51s
